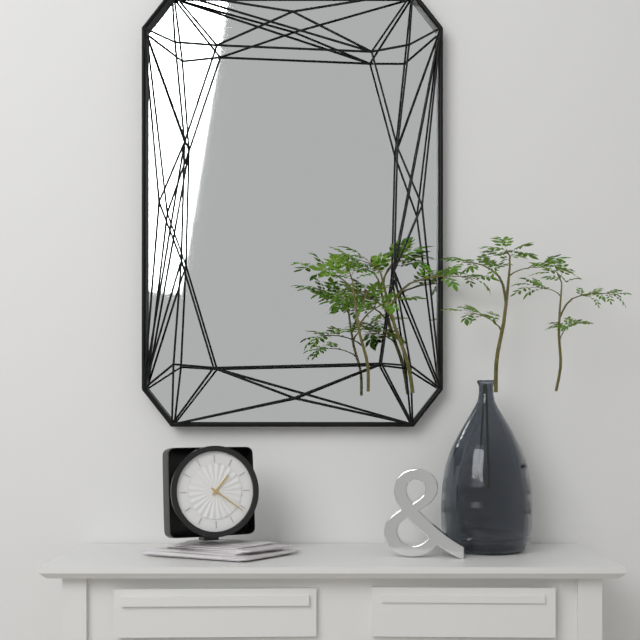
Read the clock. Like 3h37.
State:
1h21
